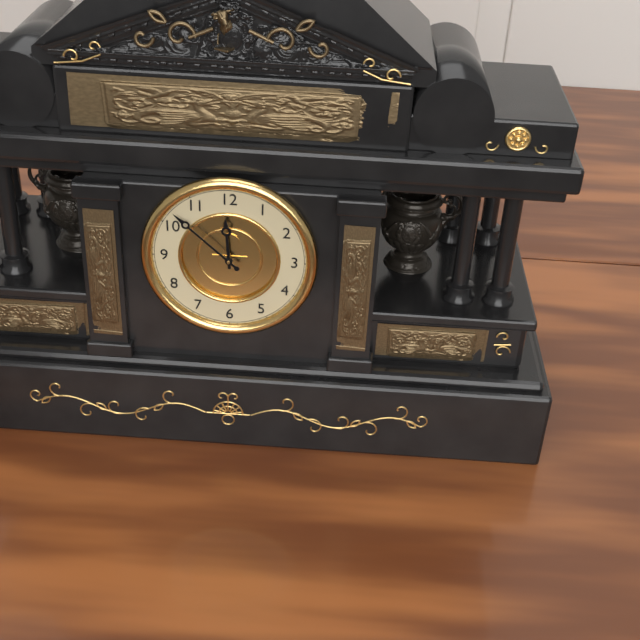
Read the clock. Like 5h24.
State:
11h52
